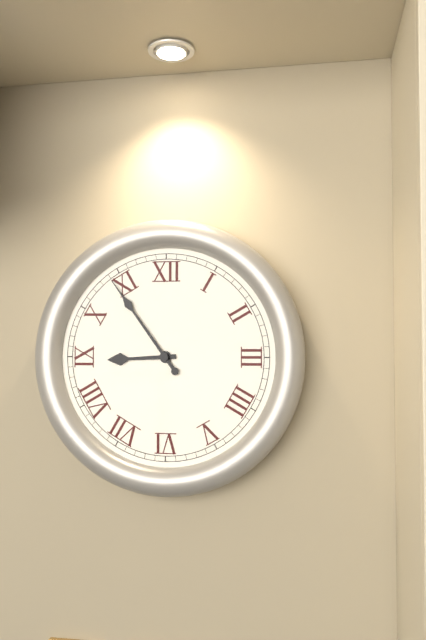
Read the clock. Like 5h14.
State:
8h54
